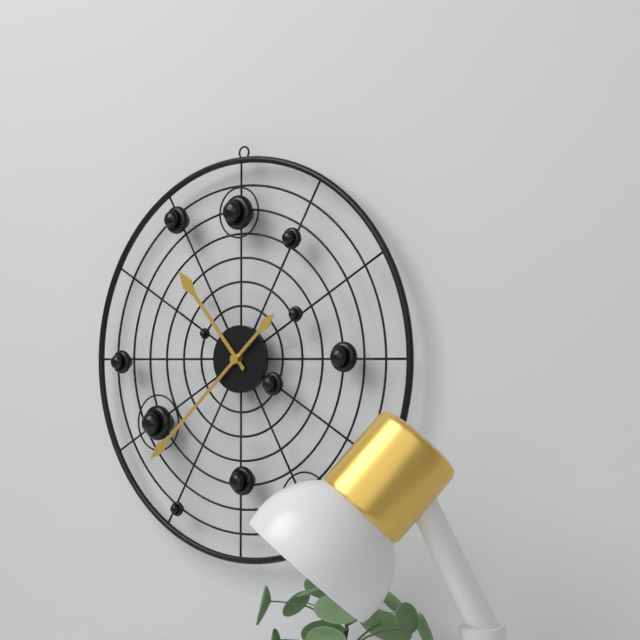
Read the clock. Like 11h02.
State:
10h38
